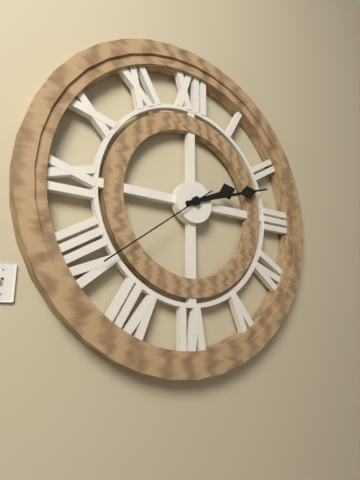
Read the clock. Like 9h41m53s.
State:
2h12m39s
